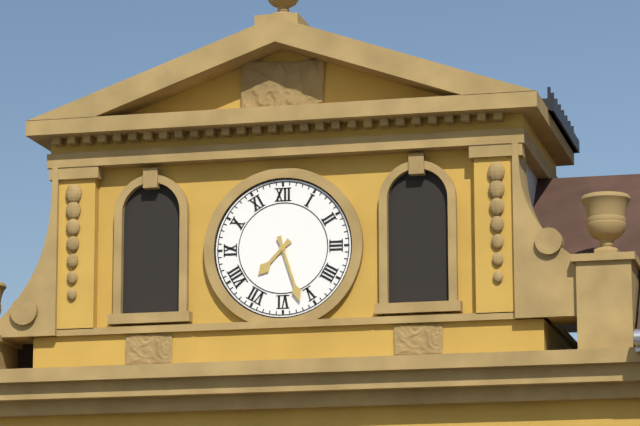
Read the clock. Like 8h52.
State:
7h27
